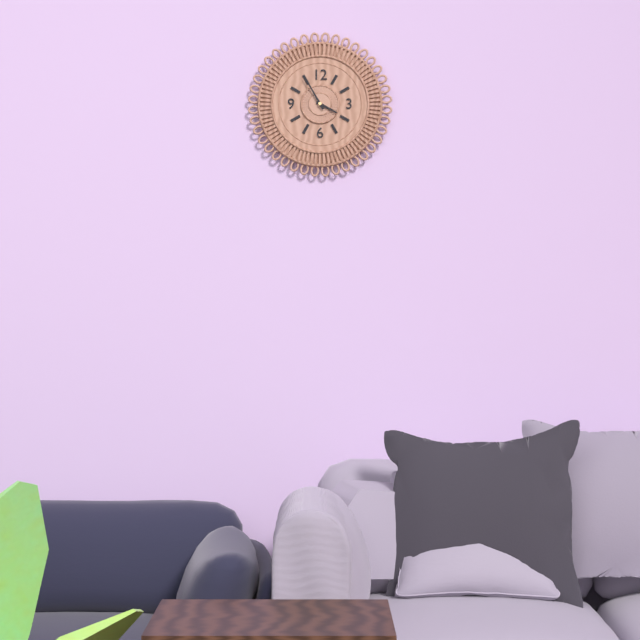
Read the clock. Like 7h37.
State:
3h55
